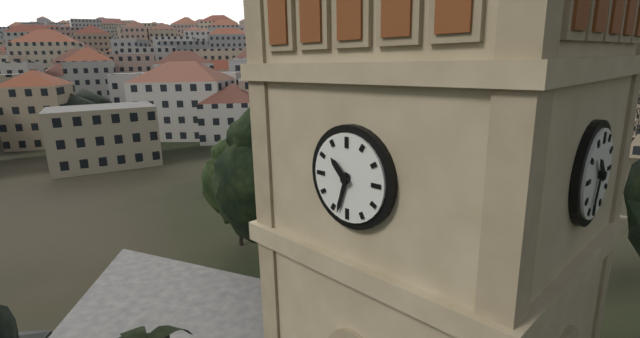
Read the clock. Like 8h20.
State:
10h33
